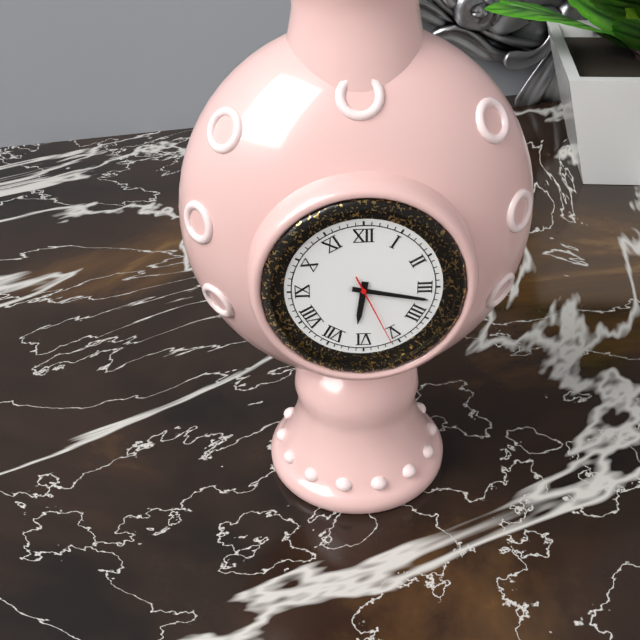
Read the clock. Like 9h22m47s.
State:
6h17m26s
